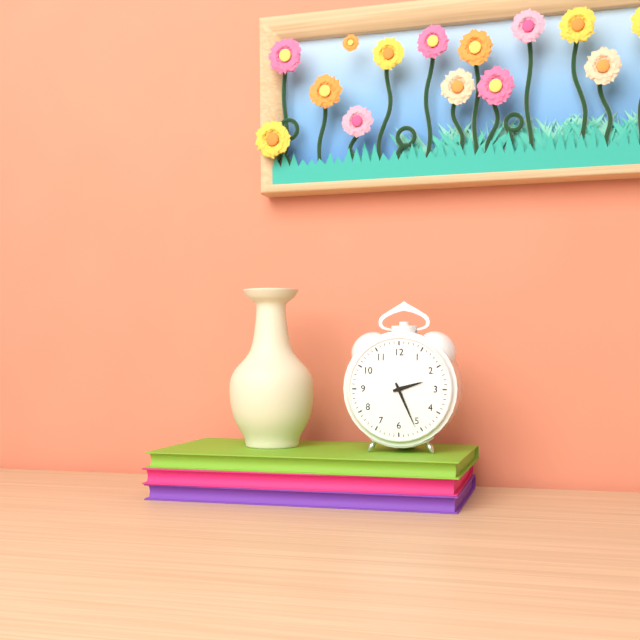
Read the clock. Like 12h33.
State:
2h26
